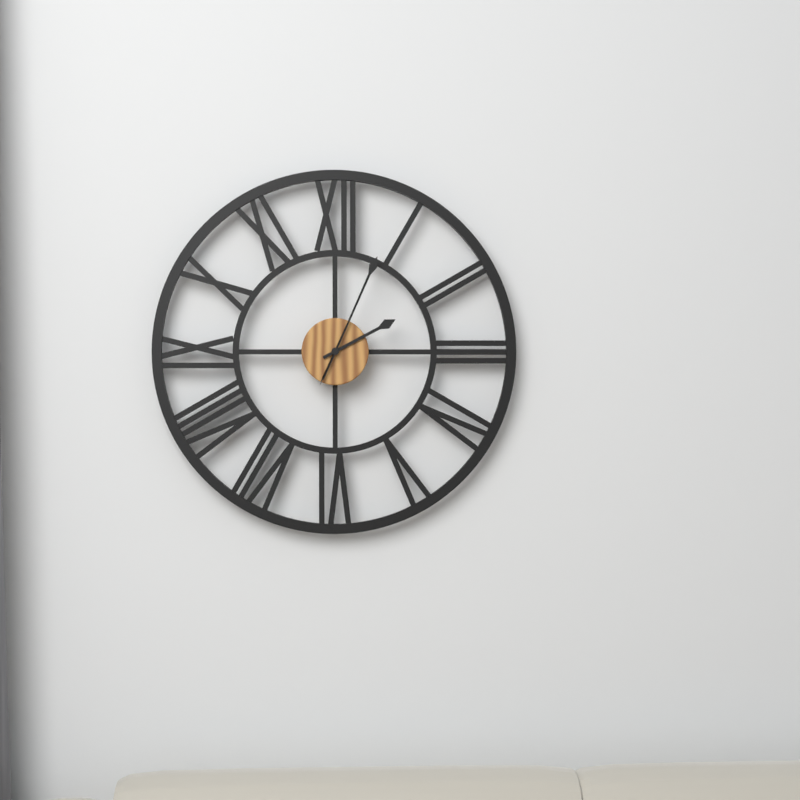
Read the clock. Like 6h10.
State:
2h04
